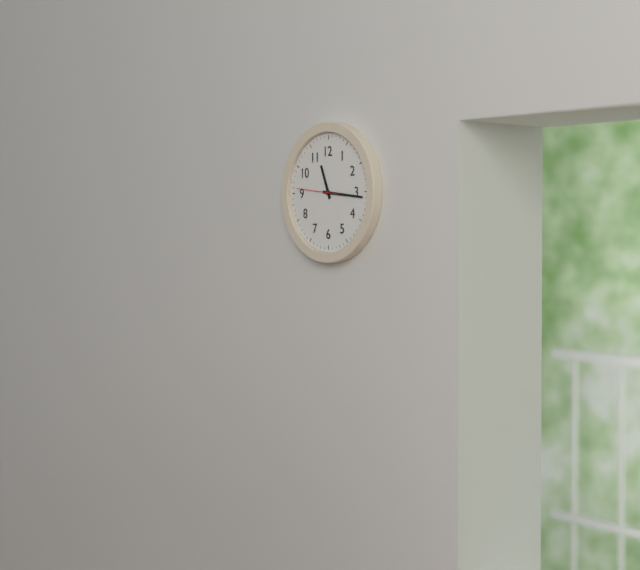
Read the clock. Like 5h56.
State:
11h16
